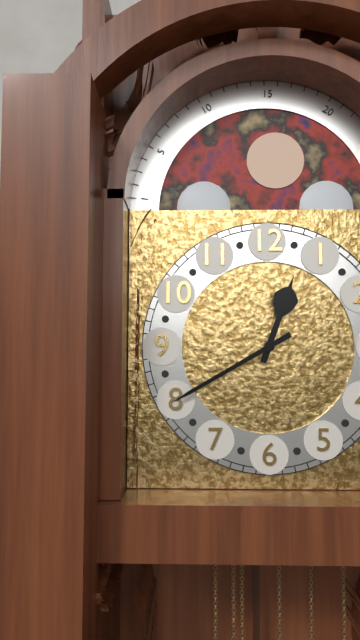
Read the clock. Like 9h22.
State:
12h40
